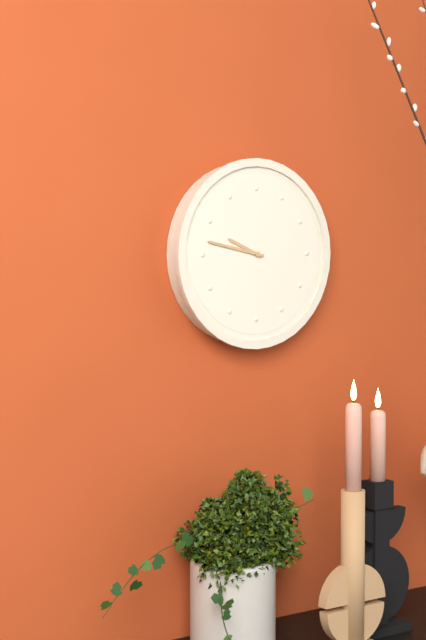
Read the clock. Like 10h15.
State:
9h47
